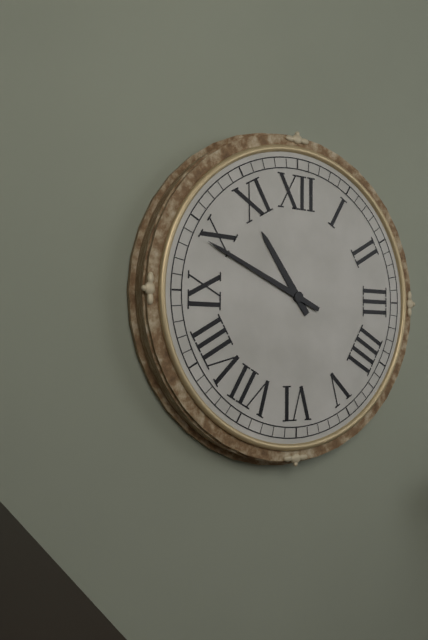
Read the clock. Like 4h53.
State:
10h49
